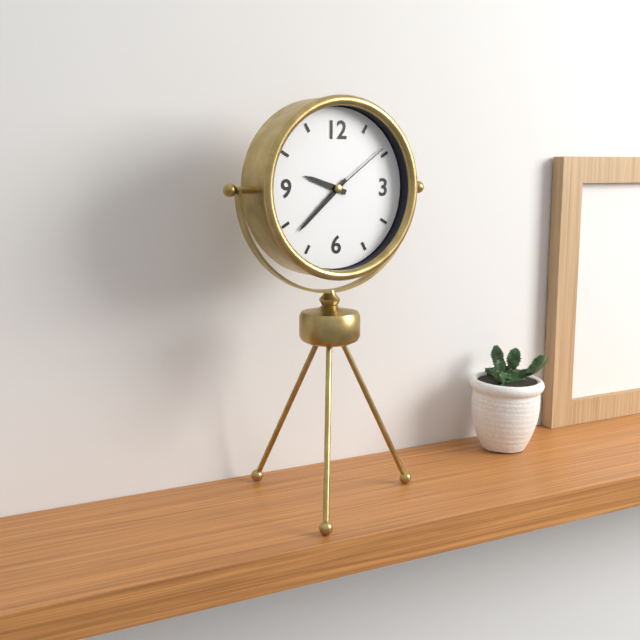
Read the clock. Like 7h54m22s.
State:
9h38m09s
